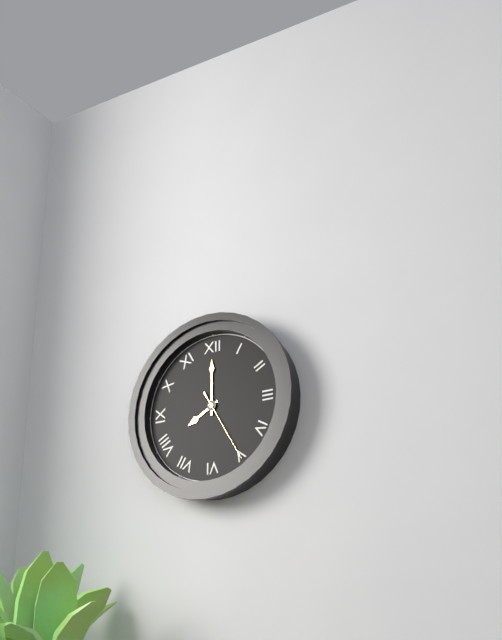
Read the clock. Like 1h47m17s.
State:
8h00m25s
